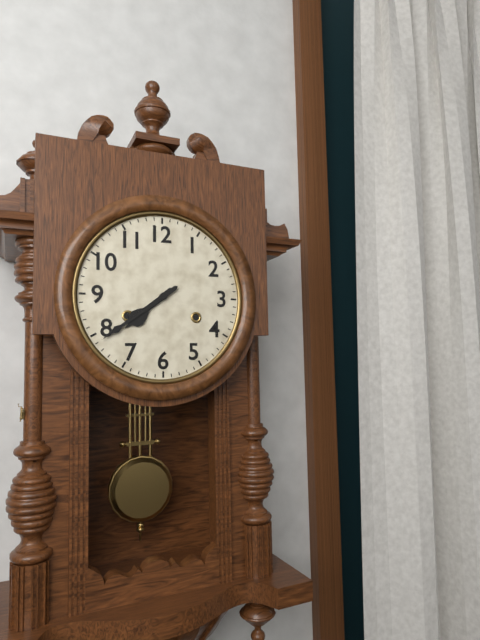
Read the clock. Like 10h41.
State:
7h39
